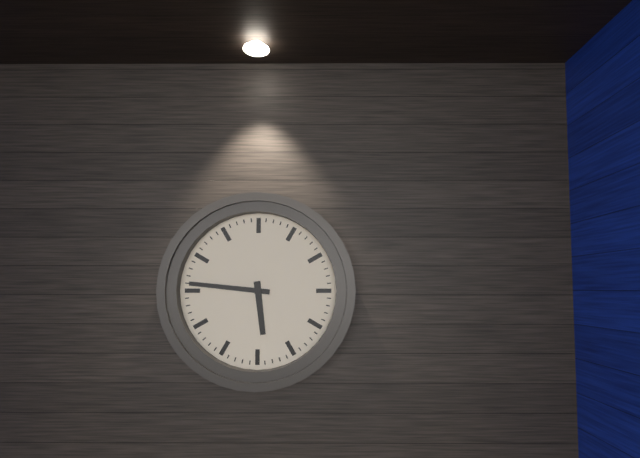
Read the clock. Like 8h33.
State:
5h46
